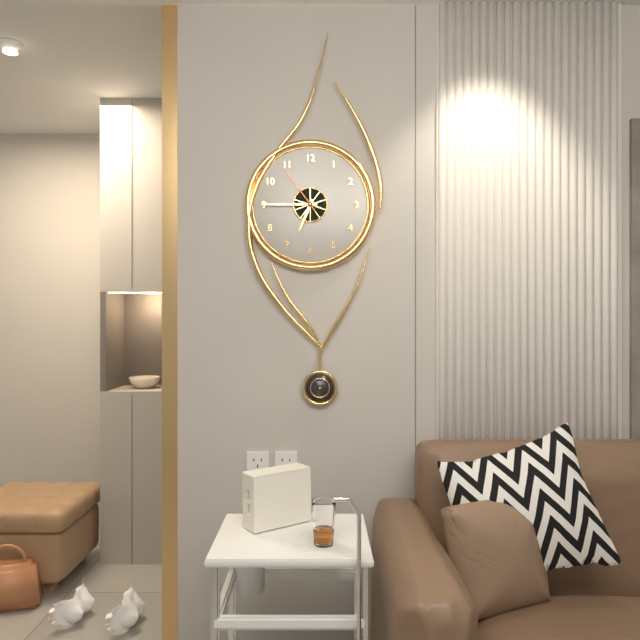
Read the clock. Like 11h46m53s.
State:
6h45m54s
